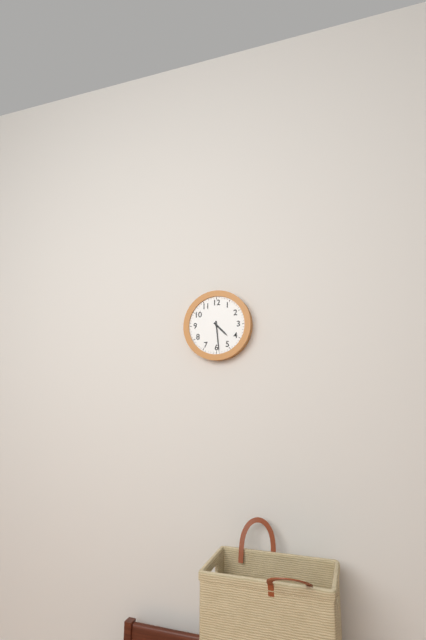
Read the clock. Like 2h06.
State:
4h29
